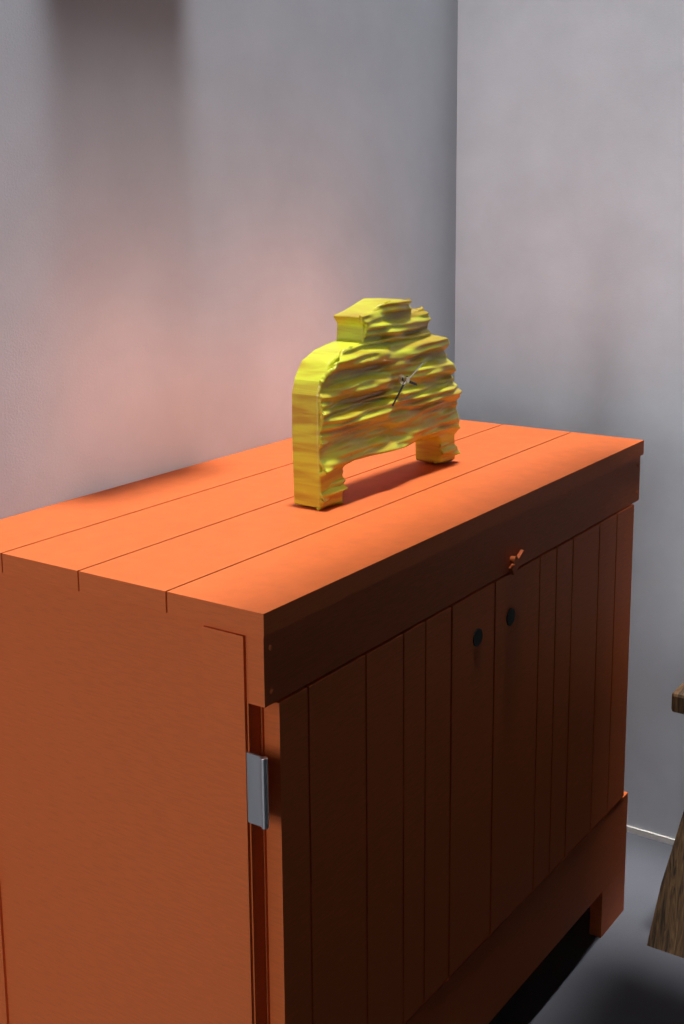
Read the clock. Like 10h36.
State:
3h38
